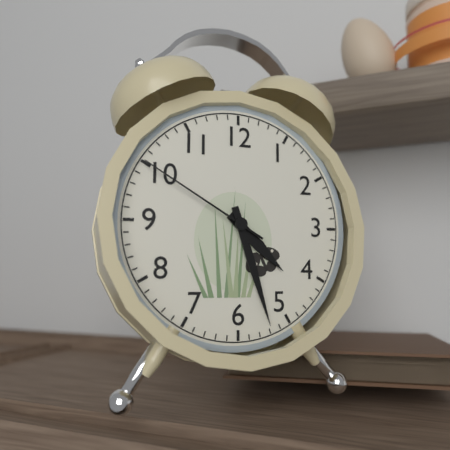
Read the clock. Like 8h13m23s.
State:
4h27m50s
